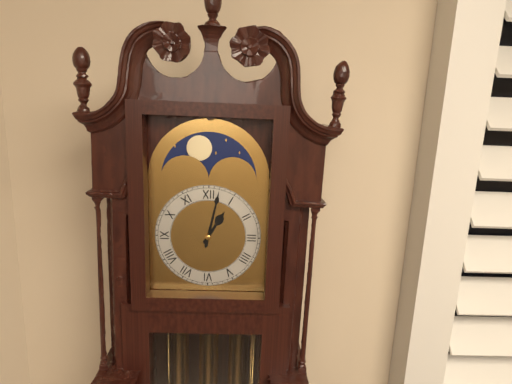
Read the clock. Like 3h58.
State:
1h02
